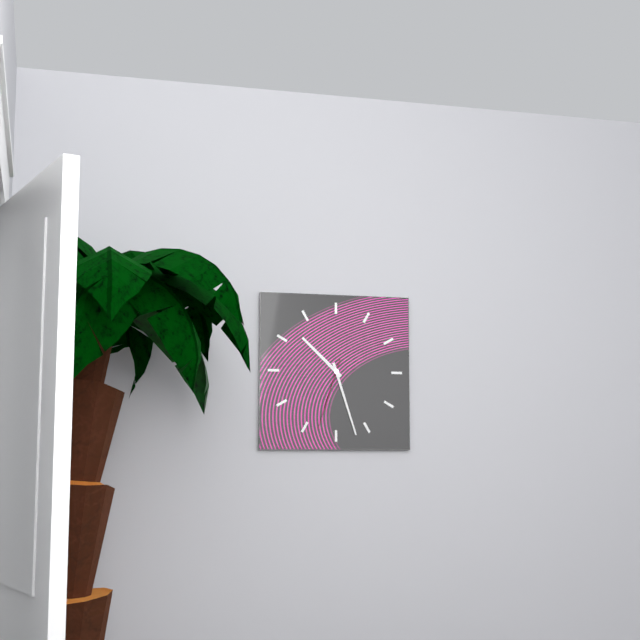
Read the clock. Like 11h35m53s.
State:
10h27m33s
